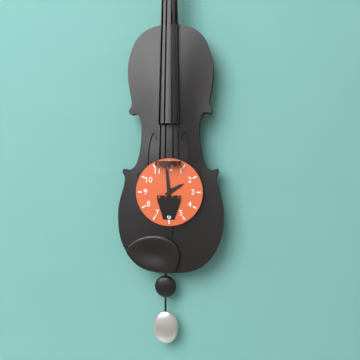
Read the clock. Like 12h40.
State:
1h59
